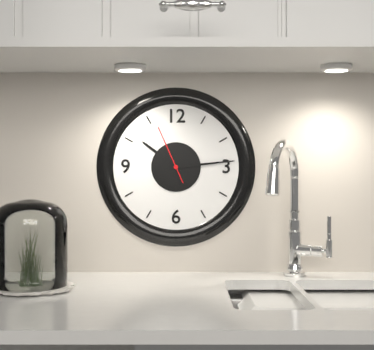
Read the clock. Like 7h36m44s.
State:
10h14m56s
